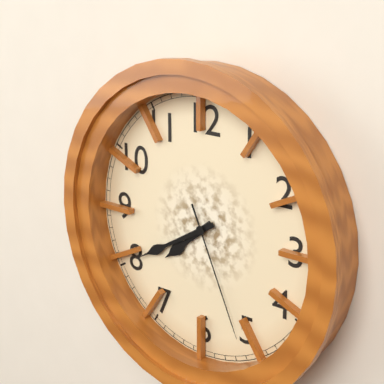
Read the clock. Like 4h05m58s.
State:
7h40m26s
